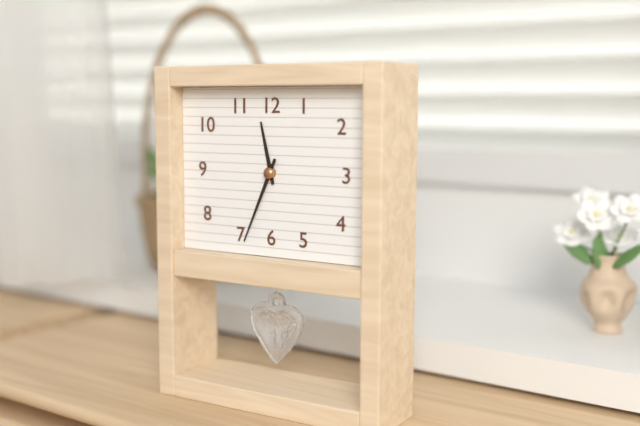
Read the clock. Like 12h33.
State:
11h34
